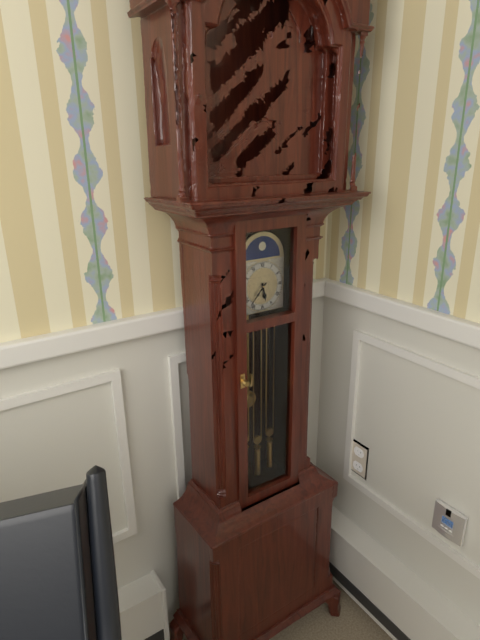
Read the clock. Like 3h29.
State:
5h37
